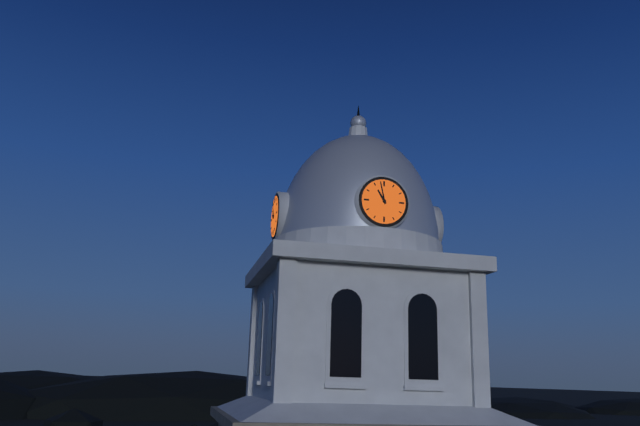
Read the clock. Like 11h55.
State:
10h58
